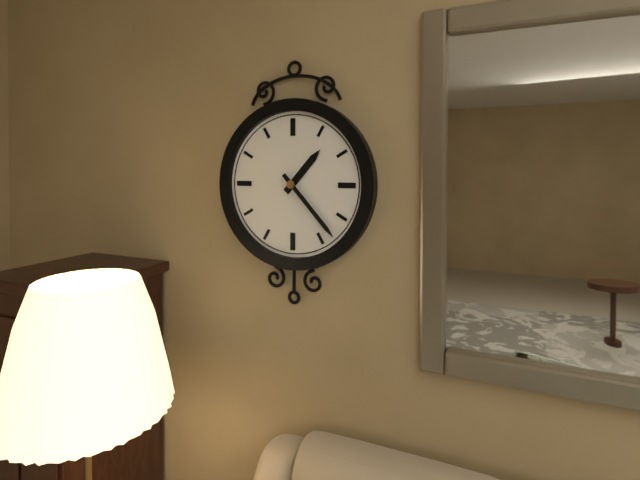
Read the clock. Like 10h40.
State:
1h23
